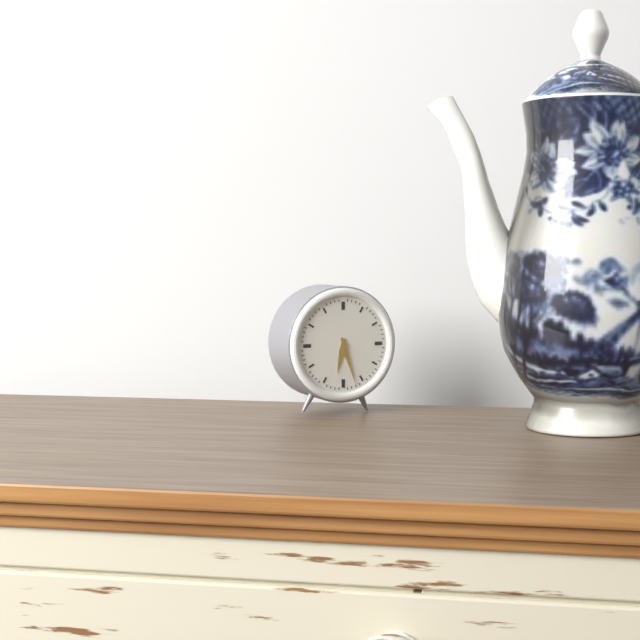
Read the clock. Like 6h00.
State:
6h27
